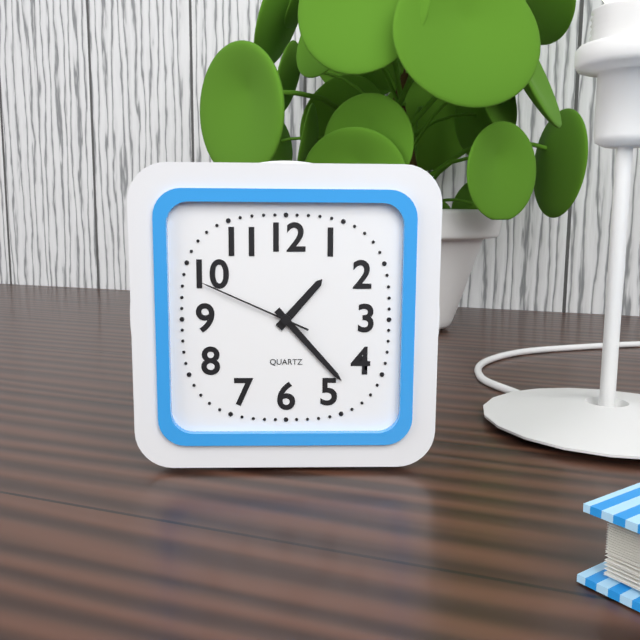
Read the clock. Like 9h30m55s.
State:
1h23m49s
